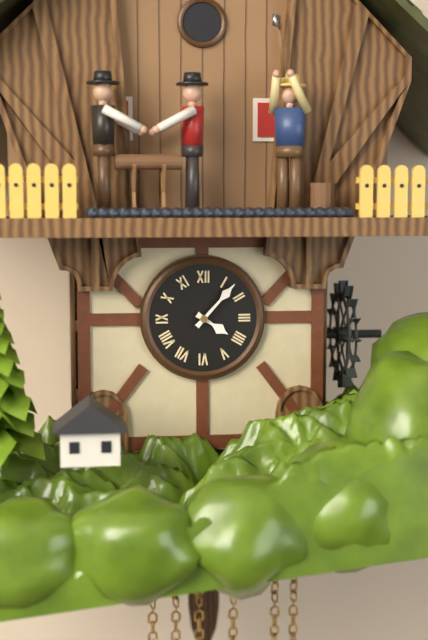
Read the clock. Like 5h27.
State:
4h07
